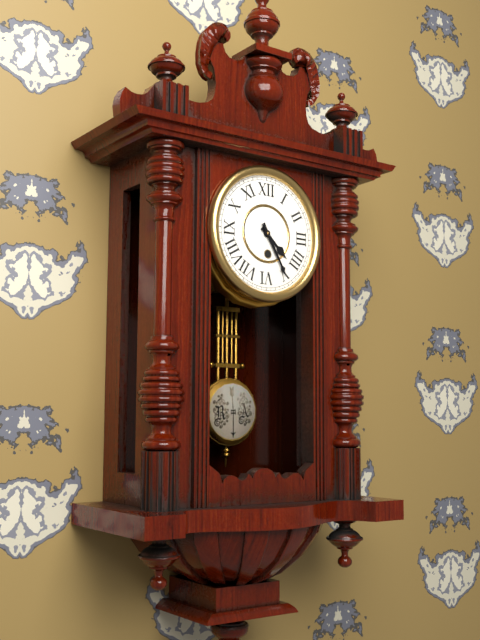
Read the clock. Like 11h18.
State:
4h25
